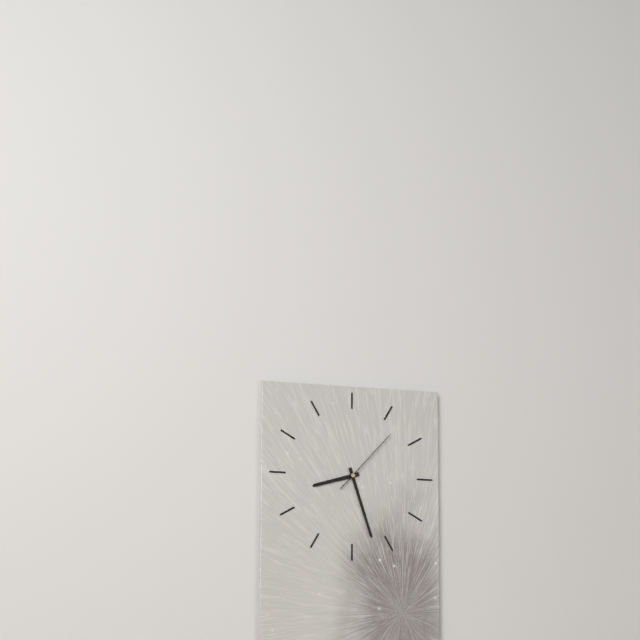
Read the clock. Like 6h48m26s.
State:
8h27m07s
